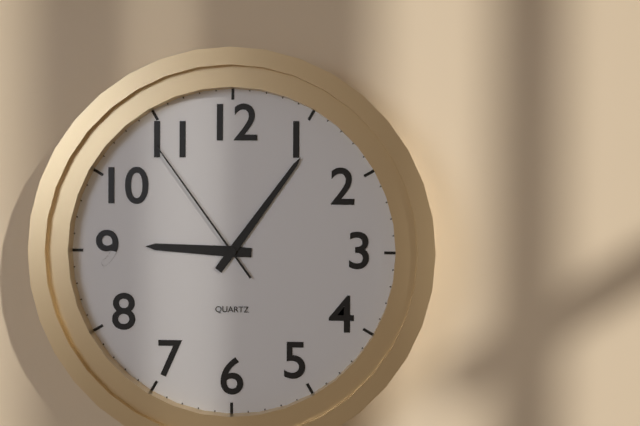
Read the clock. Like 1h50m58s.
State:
9h06m54s
